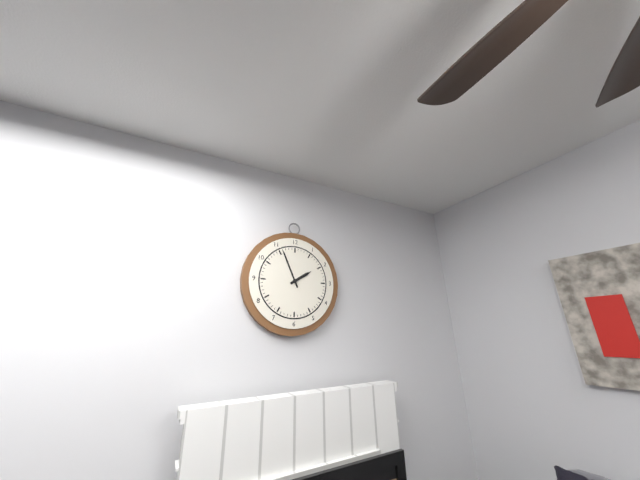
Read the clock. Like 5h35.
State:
1h56
